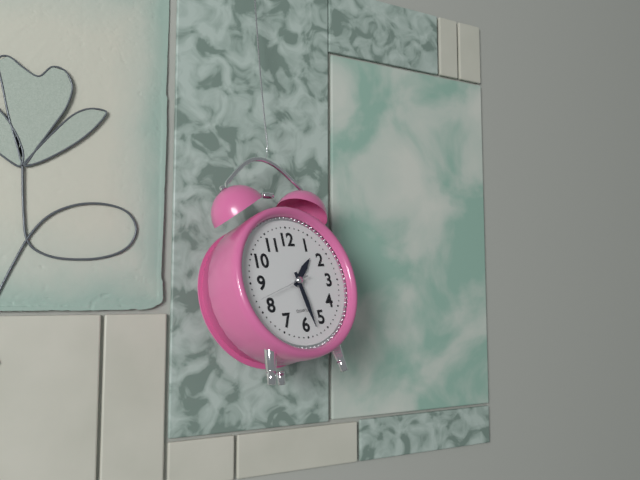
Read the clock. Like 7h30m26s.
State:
1h28m42s
